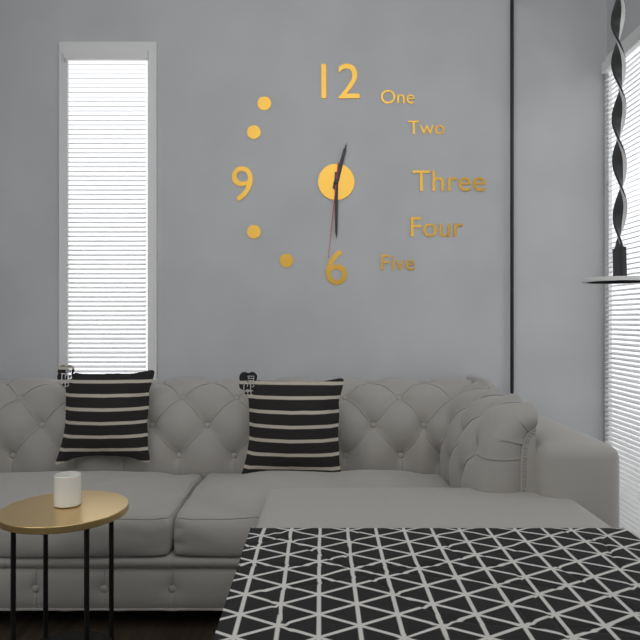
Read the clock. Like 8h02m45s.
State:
12h30m31s
